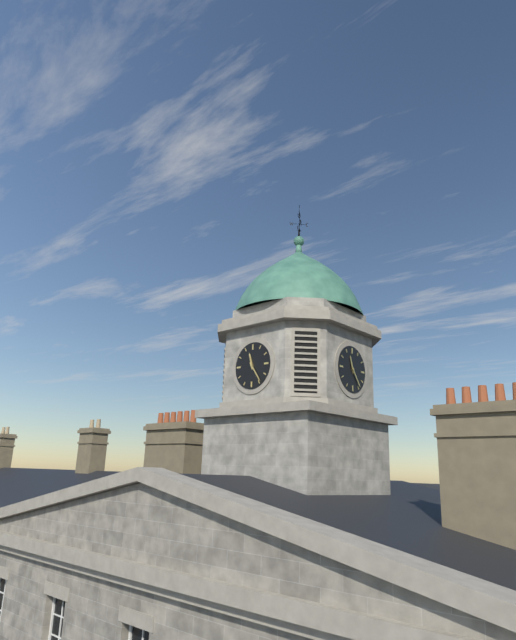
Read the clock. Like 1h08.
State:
11h24
